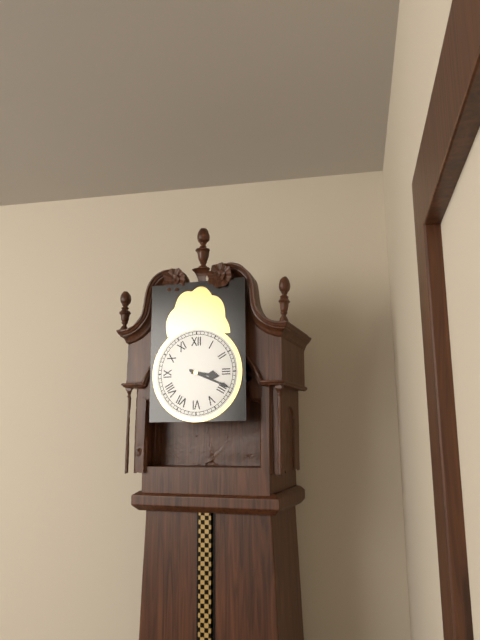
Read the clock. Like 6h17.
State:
3h19
